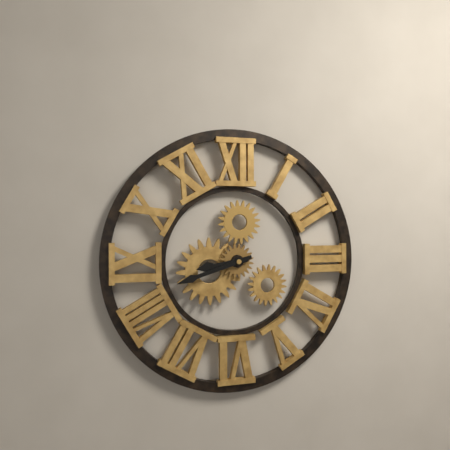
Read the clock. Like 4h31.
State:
8h42
